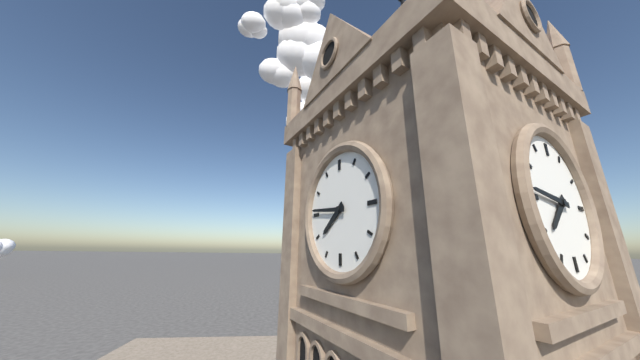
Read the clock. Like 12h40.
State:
7h46
